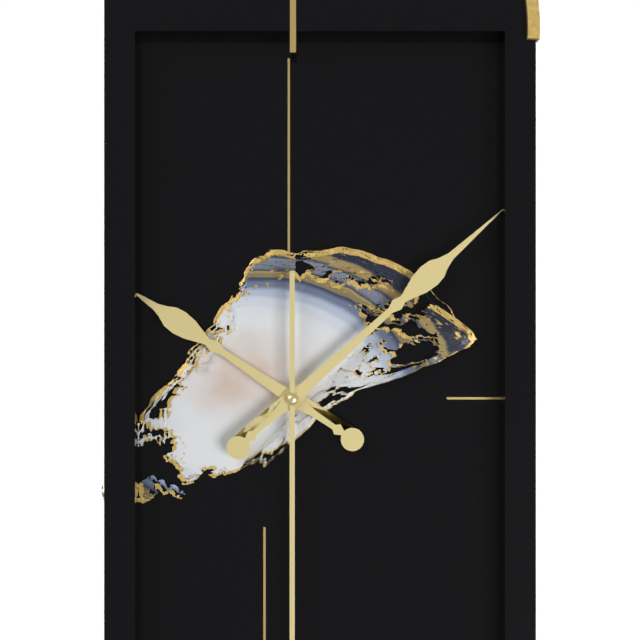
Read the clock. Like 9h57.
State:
10h08
